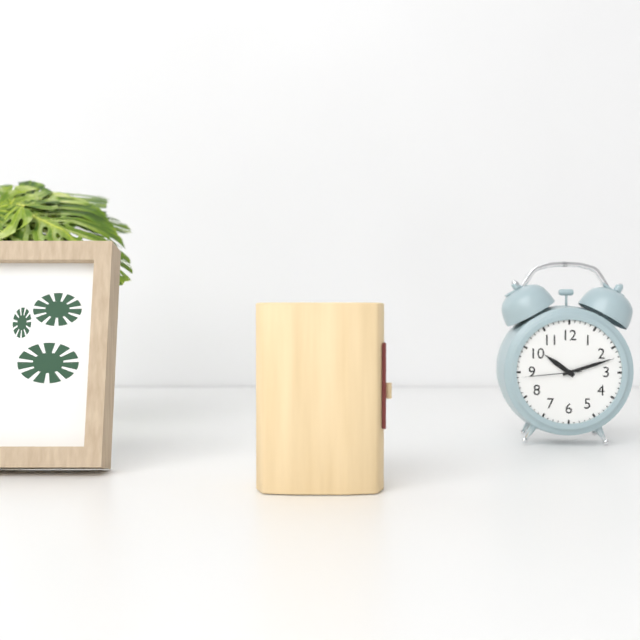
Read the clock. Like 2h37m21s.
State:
10h12m44s
